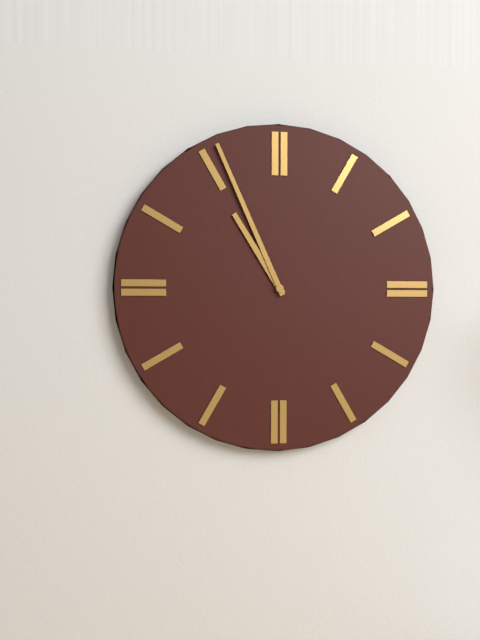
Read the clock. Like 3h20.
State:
10h56
